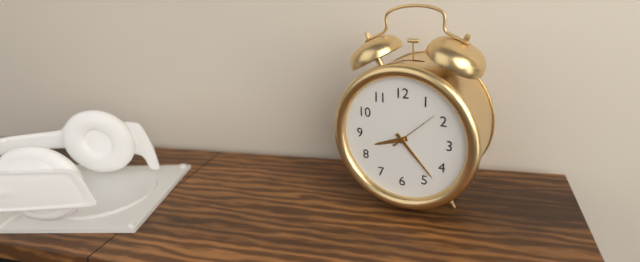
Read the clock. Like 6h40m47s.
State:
8h23m08s
